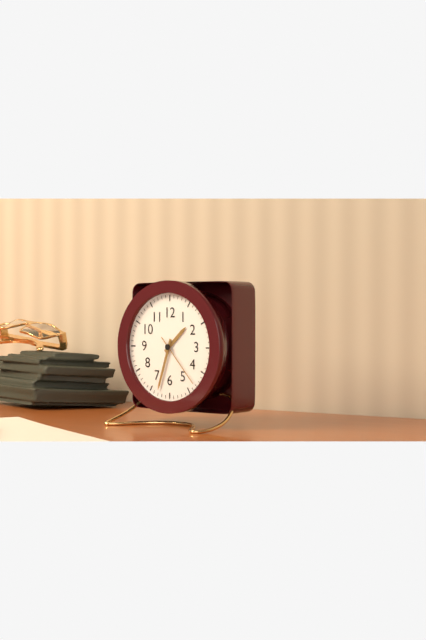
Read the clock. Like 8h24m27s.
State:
1h33m23s
